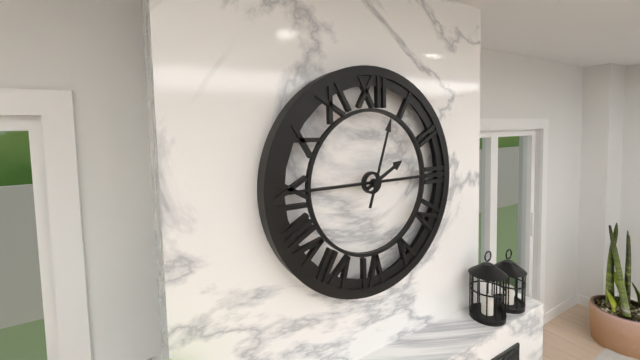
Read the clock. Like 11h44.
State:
2h03
